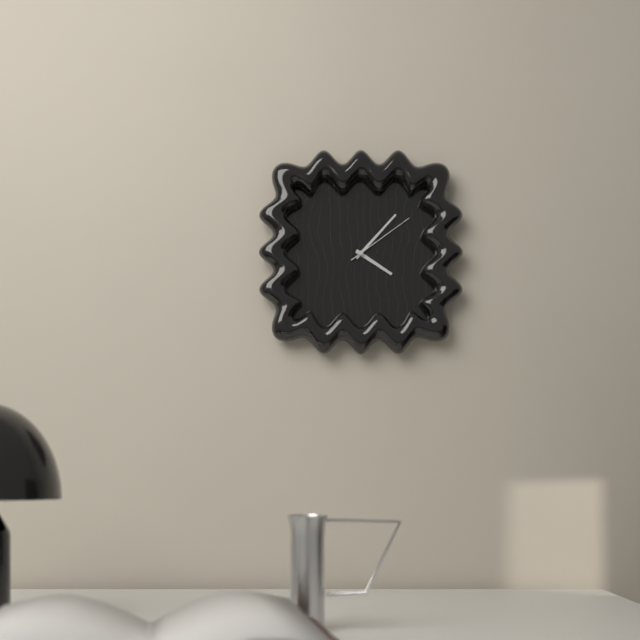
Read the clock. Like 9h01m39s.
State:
4h07m09s
